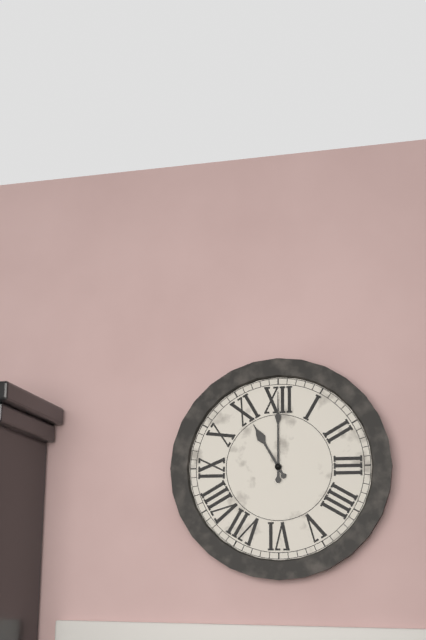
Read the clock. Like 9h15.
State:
11h00
